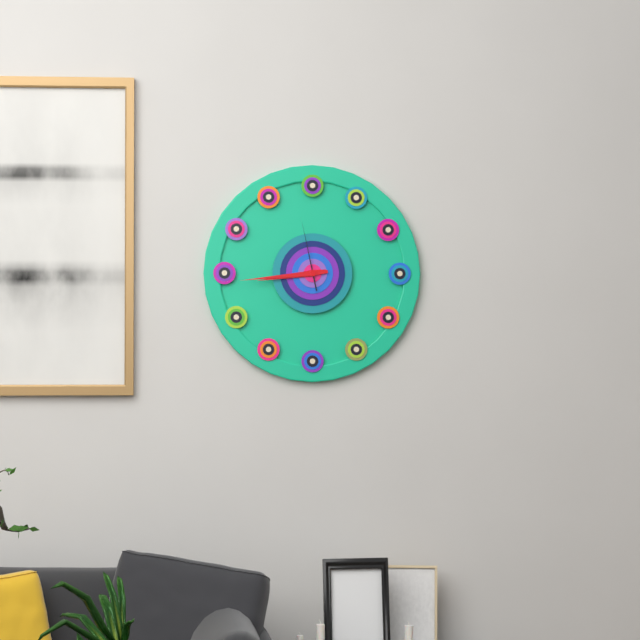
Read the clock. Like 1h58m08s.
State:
8h44m58s
